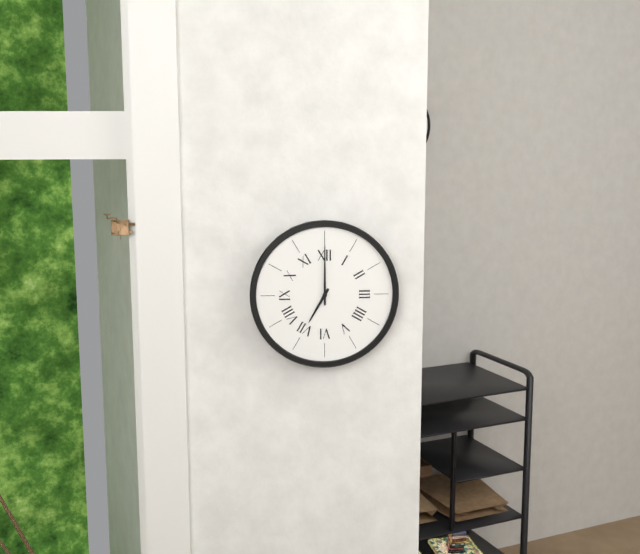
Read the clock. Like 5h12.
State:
7h00
